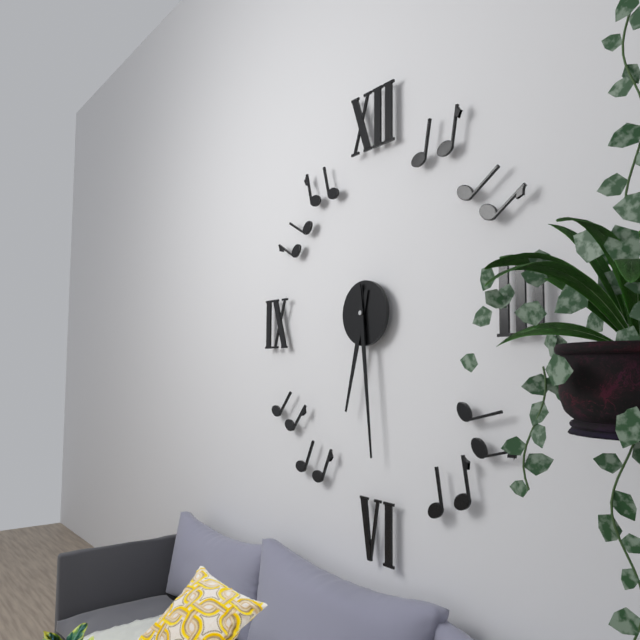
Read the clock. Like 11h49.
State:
6h29
